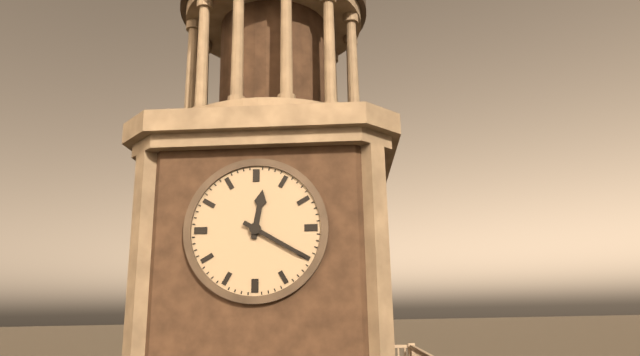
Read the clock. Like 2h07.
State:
12h20
